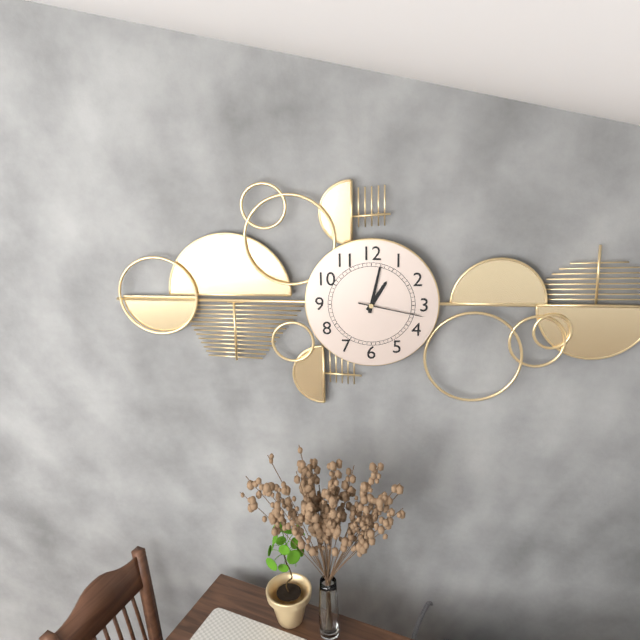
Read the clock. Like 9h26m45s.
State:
1h02m17s
